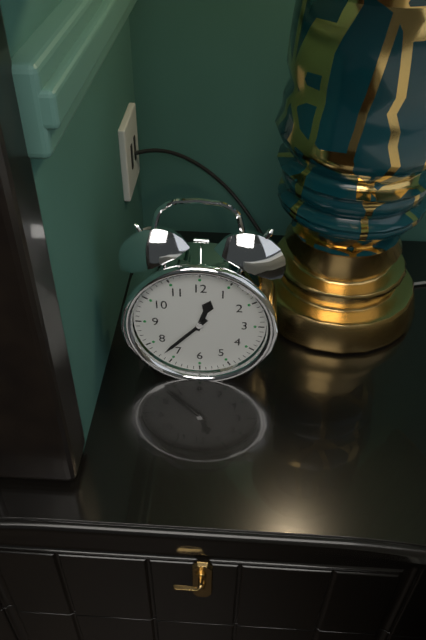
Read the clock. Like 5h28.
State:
12h37
